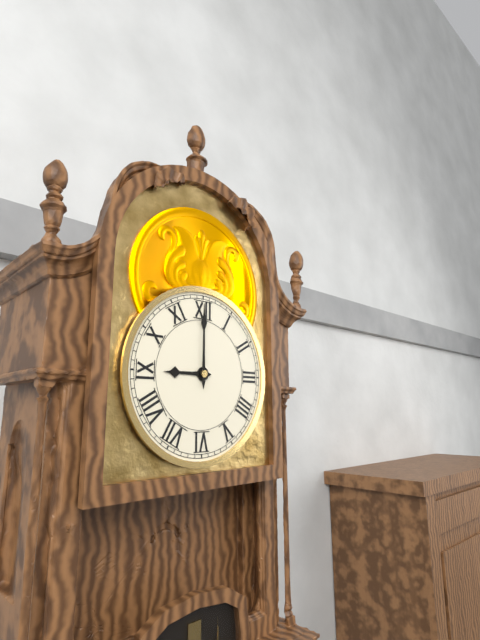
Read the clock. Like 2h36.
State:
9h00
